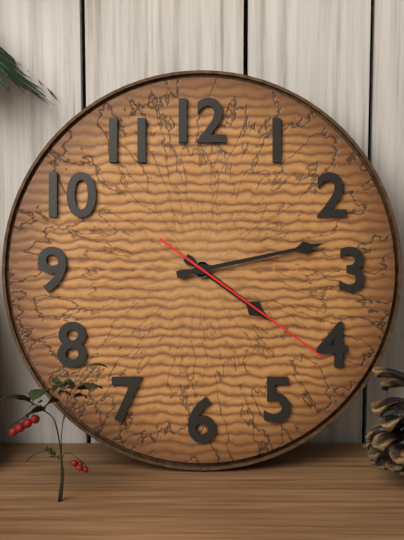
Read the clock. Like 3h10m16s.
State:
4h13m21s
